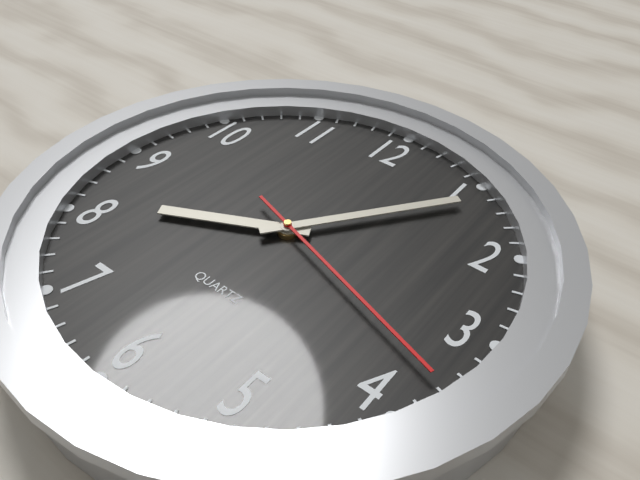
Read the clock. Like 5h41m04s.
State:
8h06m18s
